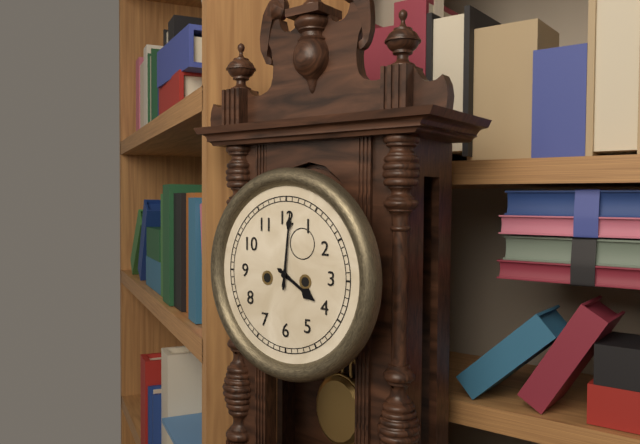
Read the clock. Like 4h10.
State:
4h01
